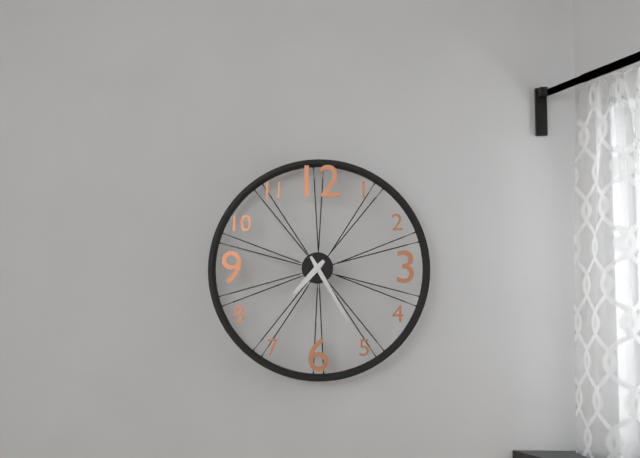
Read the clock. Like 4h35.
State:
7h25
